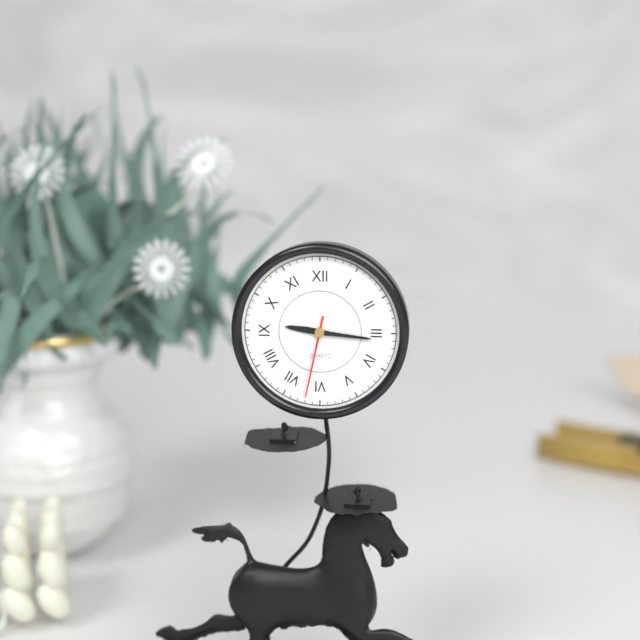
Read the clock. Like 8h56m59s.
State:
9h16m32s
